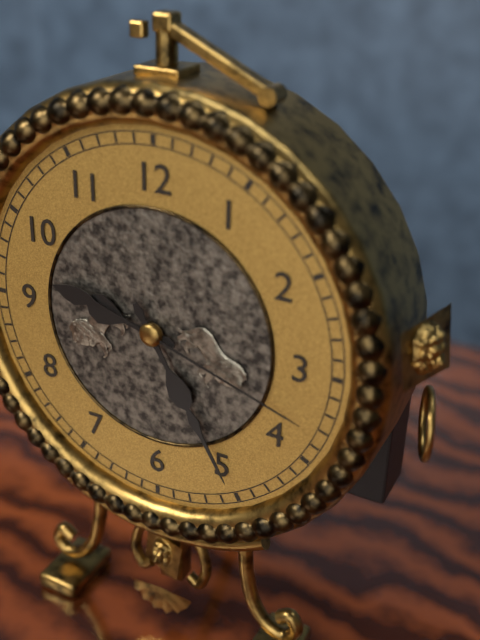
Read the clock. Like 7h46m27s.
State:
9h25m18s
